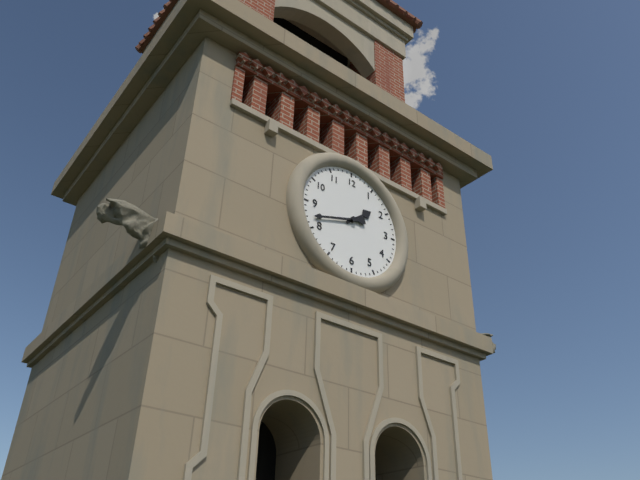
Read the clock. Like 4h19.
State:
1h42
